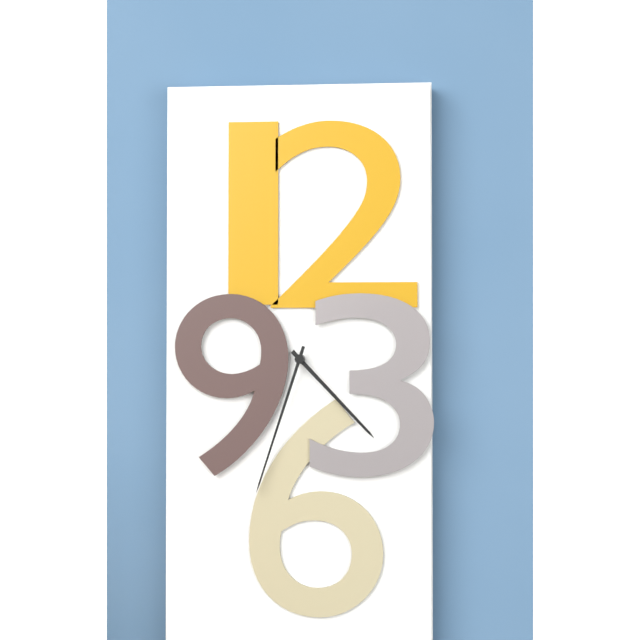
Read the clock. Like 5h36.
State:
4h33
